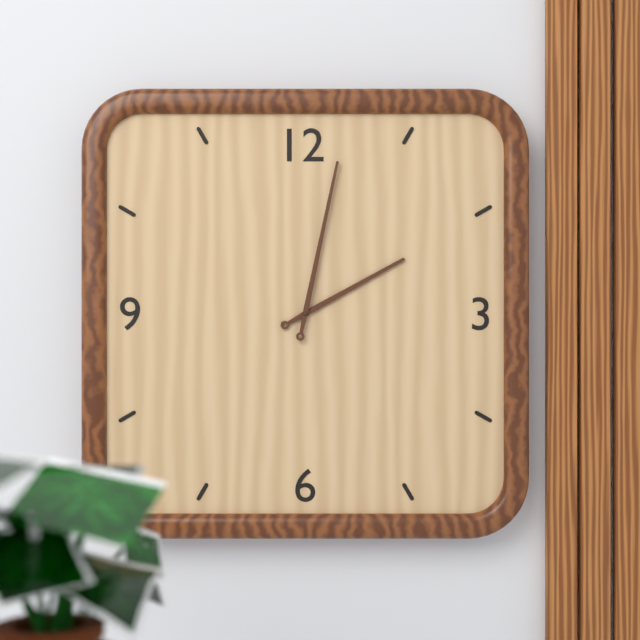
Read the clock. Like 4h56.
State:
2h02
